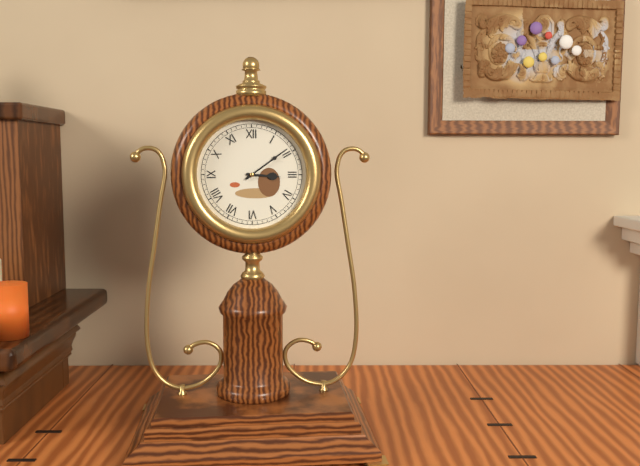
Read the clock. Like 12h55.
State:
3h09
